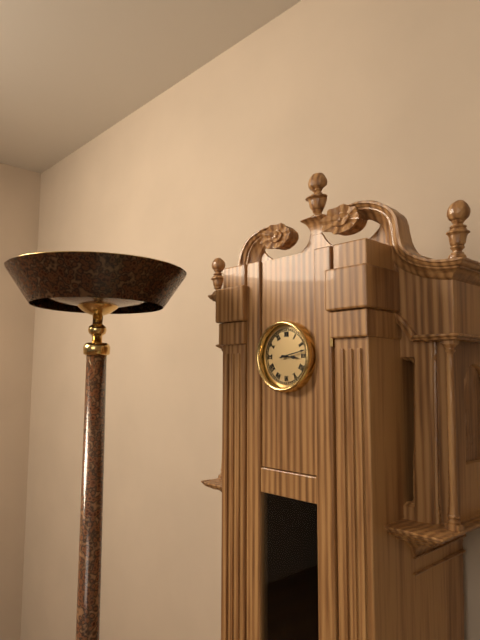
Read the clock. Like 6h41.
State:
3h13
